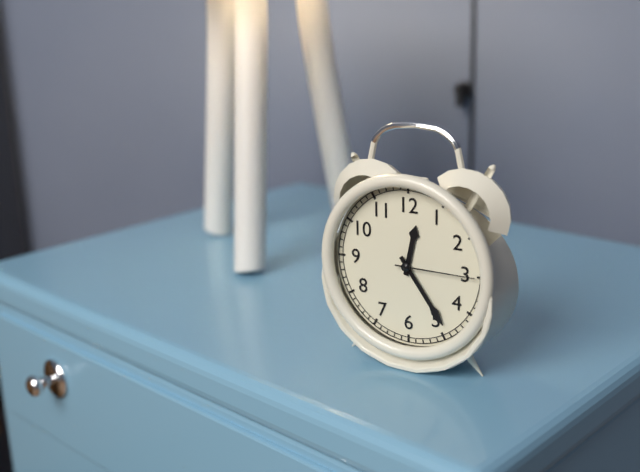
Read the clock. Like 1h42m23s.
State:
12h24m15s
